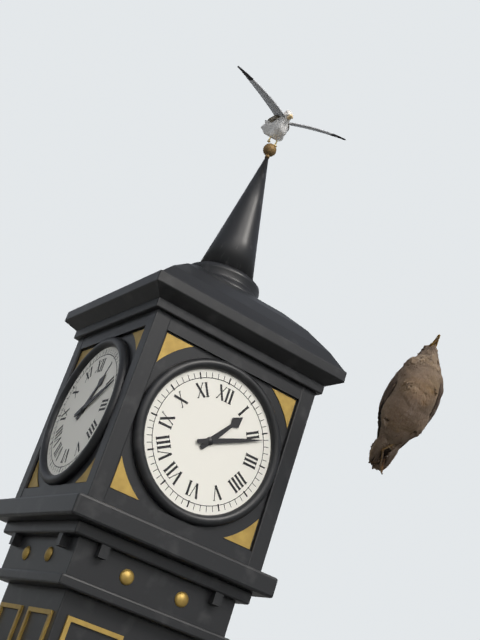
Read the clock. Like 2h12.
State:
1h11
